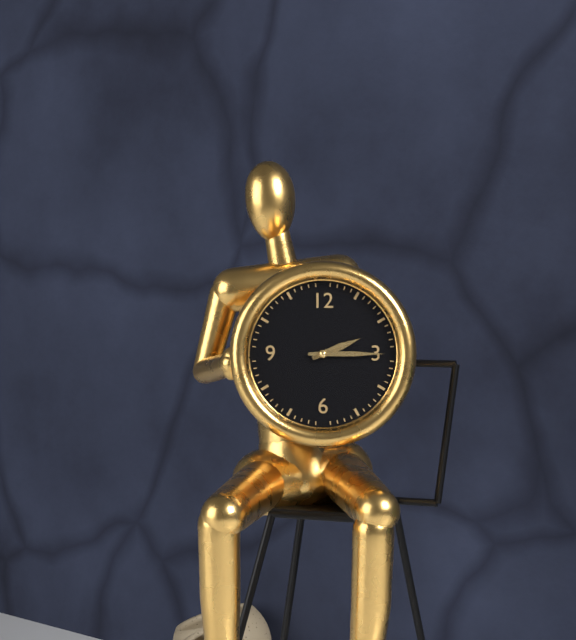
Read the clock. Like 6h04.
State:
2h15
